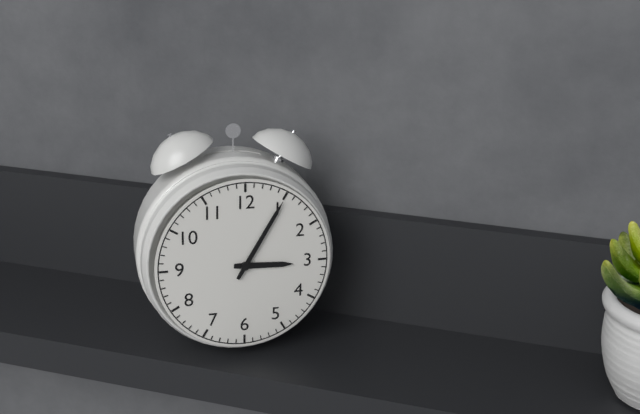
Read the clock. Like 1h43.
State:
3h05
